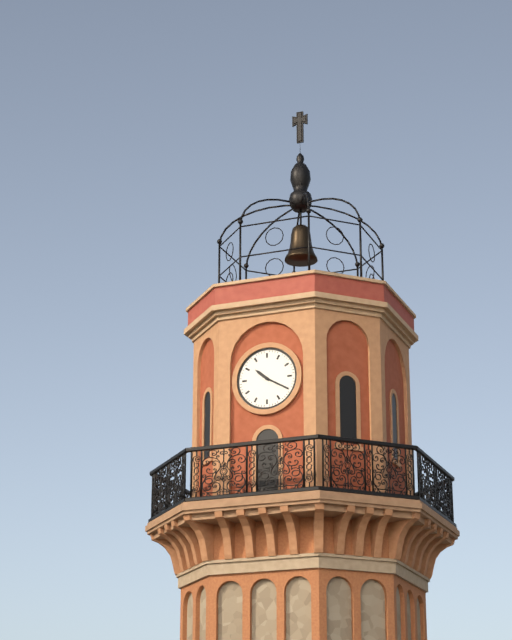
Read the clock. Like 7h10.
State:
10h20
